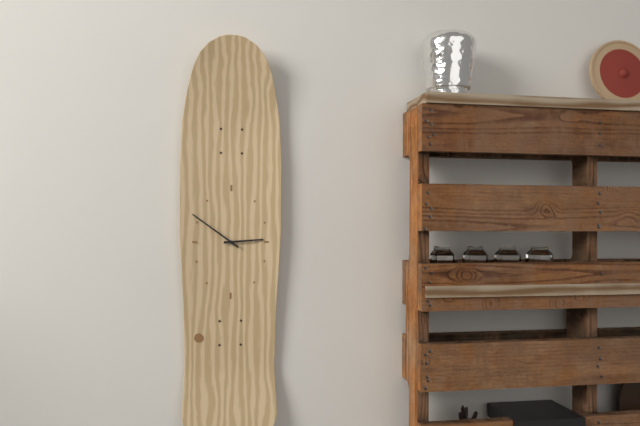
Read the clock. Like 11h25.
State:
2h51
